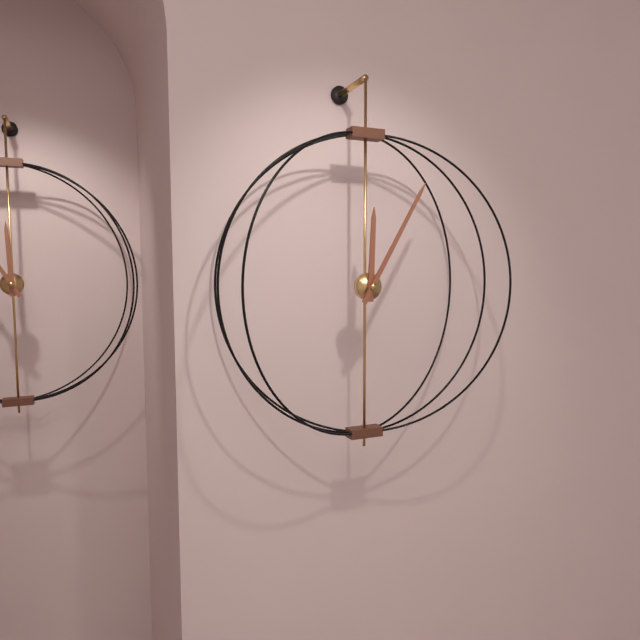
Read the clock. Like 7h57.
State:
12h05
